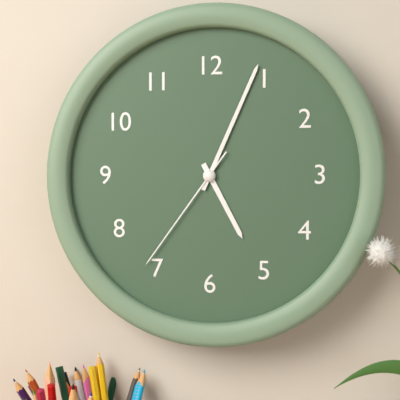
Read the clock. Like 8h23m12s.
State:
5h04m36s
